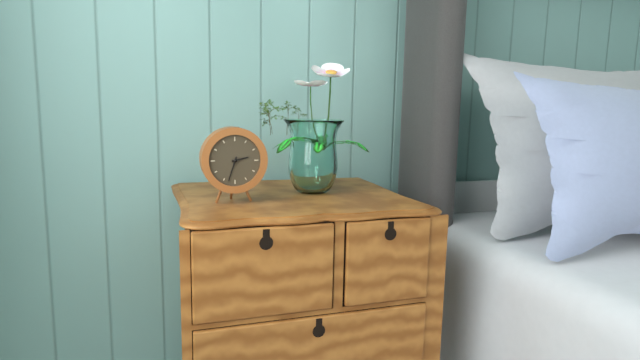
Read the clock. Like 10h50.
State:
2h33
